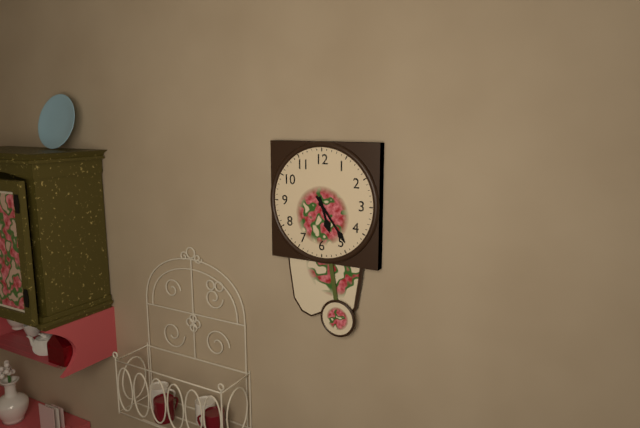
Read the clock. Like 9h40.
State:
5h24
